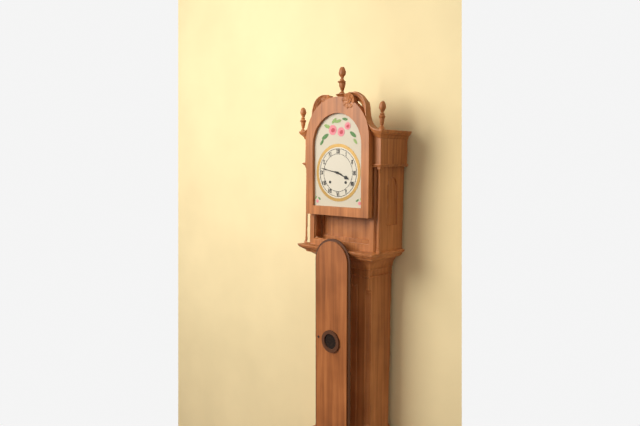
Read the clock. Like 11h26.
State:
3h47
